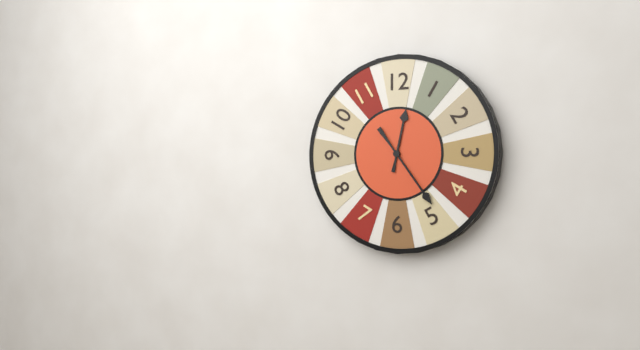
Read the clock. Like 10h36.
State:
12h24
